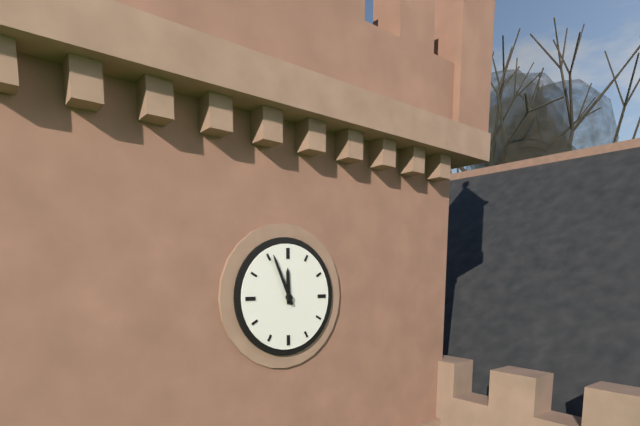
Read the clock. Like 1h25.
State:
11h56
